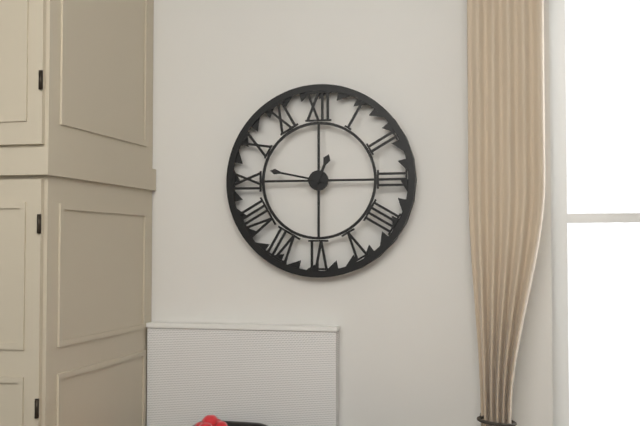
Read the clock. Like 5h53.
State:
12h47
